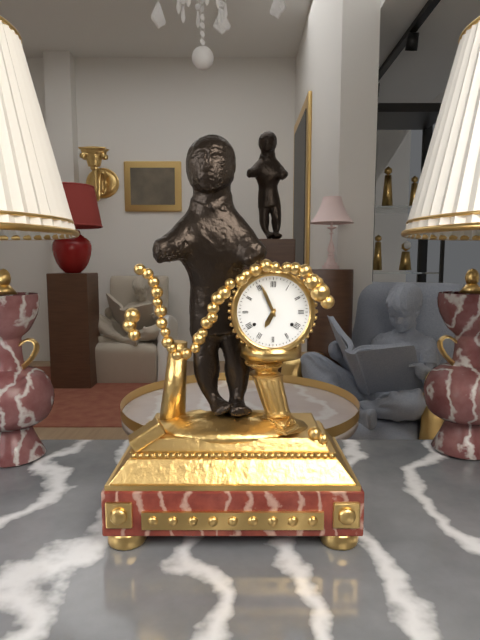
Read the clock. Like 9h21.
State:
6h56
